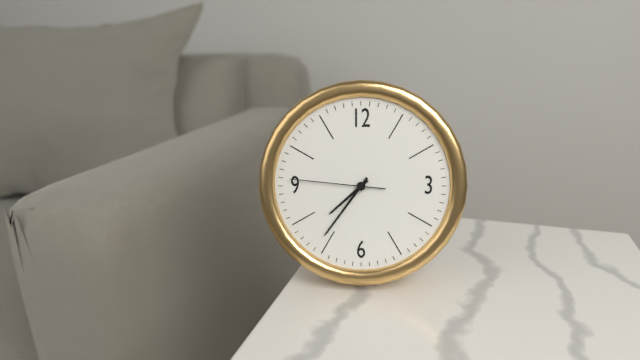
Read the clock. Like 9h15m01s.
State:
7h36m46s
